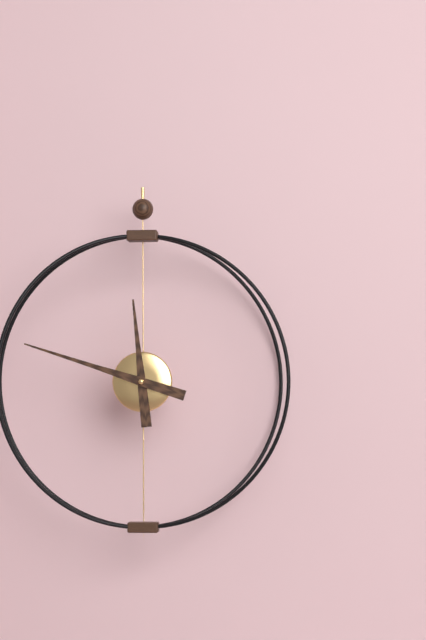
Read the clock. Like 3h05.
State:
11h48
